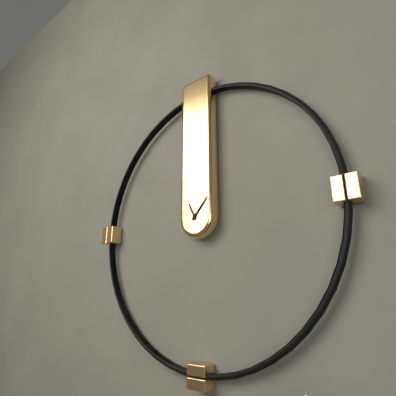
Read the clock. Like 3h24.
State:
11h07
